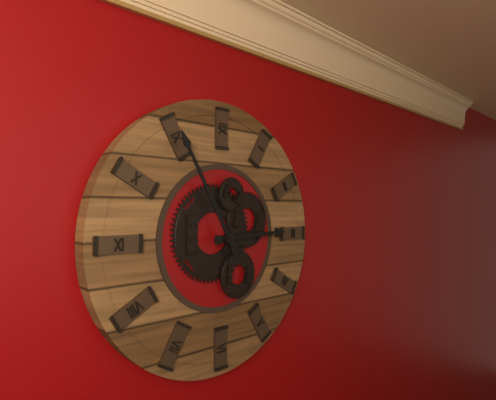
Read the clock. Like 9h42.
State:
2h55
